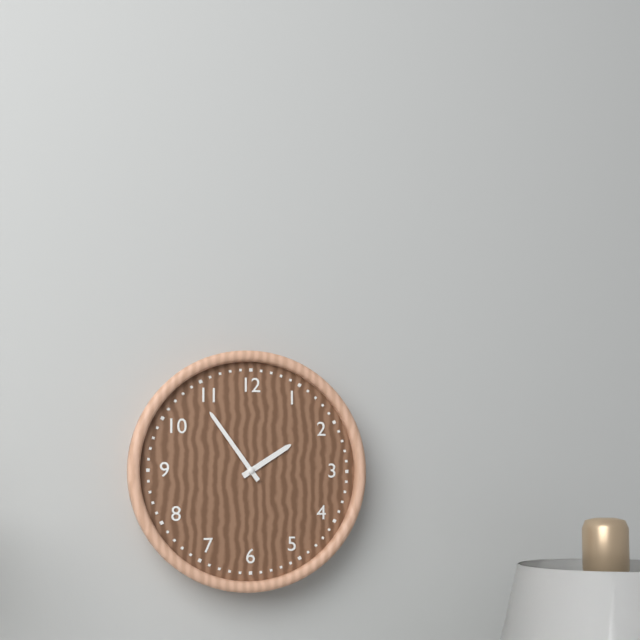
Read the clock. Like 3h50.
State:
1h54
